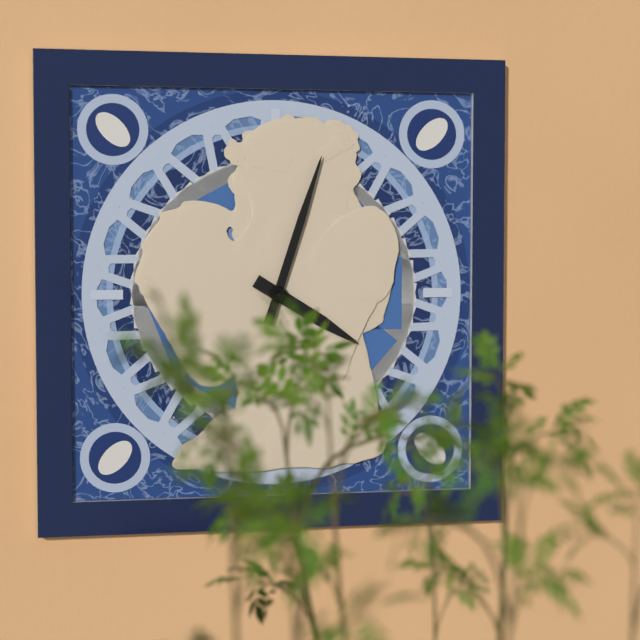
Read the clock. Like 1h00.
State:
4h03
